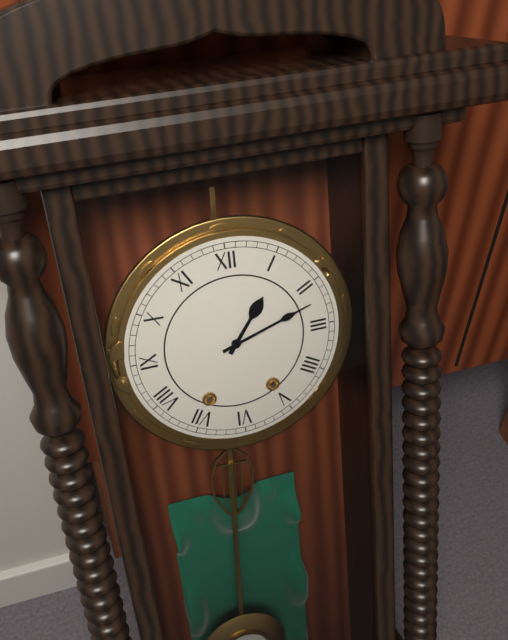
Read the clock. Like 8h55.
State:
1h12
